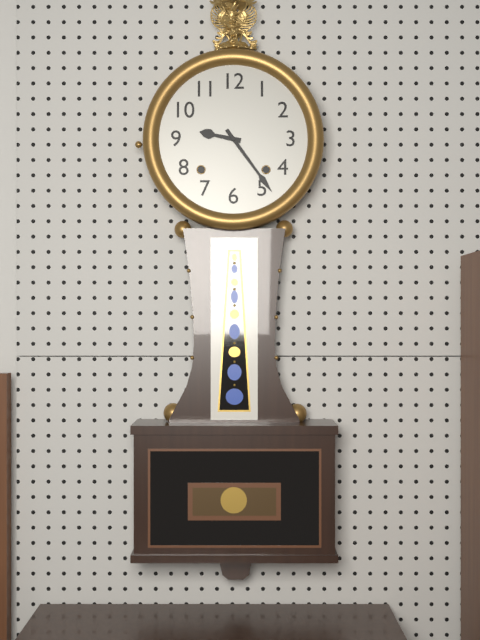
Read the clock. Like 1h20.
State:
9h24
